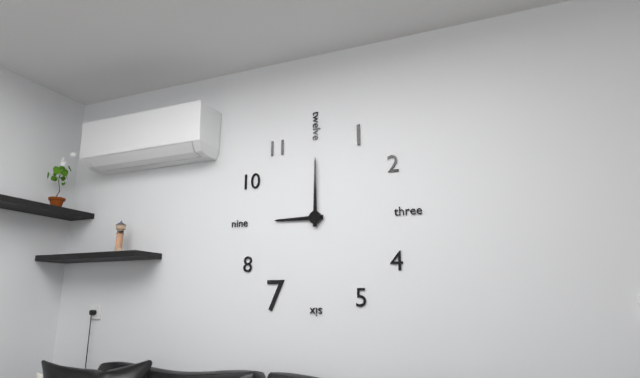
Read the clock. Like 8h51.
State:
9h00
